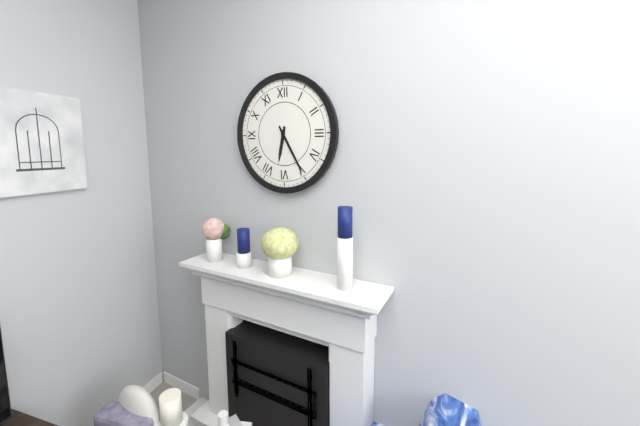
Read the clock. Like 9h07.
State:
6h25
